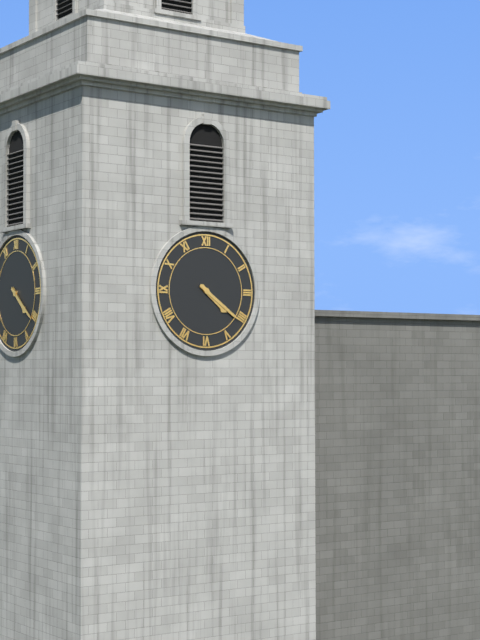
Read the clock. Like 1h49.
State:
4h21
